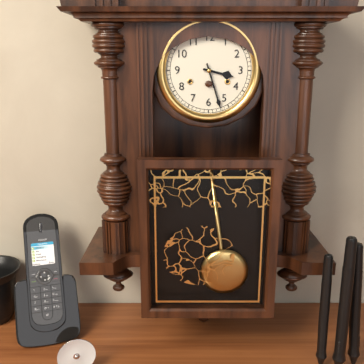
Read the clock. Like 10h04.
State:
3h27
